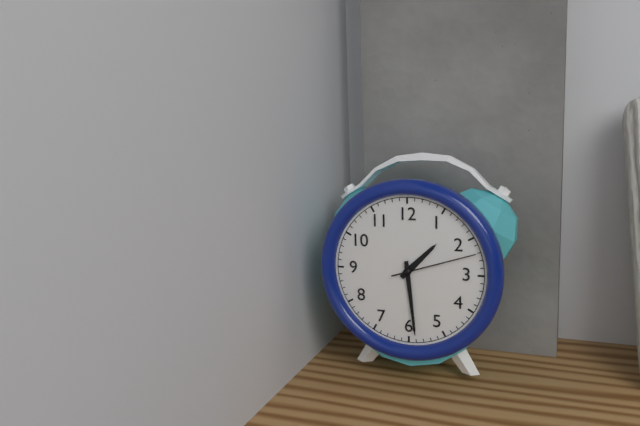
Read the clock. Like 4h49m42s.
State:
1h29m12s
